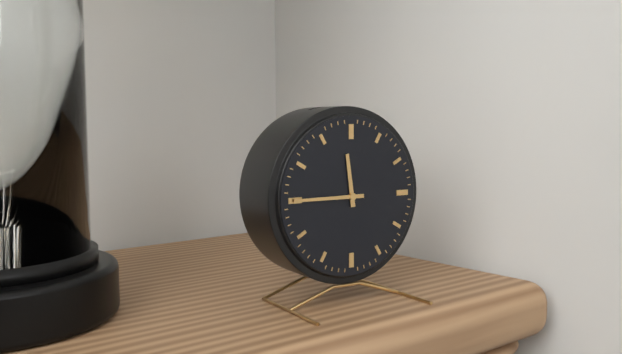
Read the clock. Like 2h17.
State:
11h45
